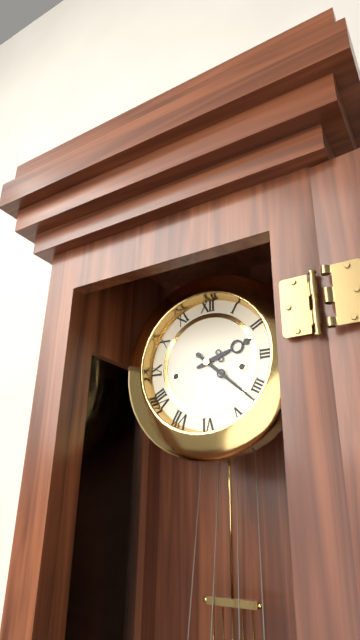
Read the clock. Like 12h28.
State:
2h22
